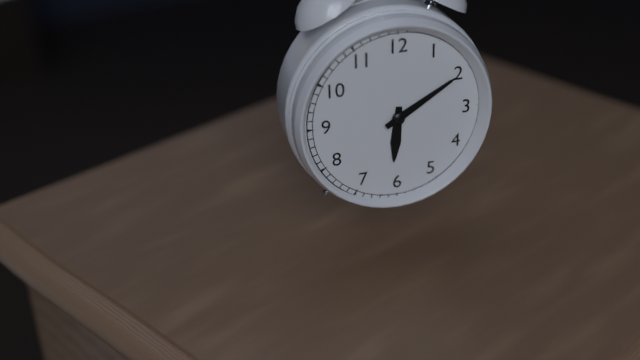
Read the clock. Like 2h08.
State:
6h10
